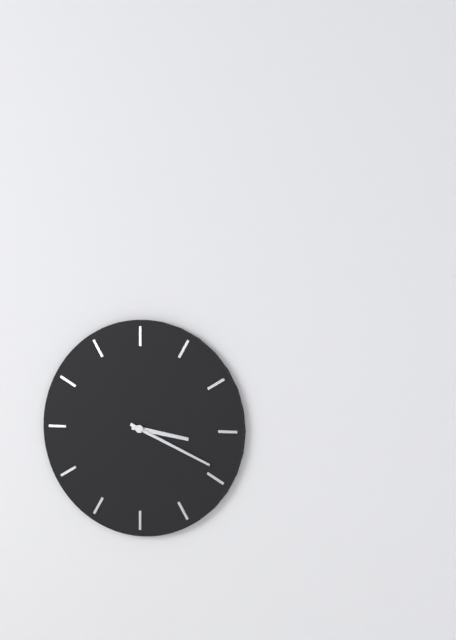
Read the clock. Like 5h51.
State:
3h19
